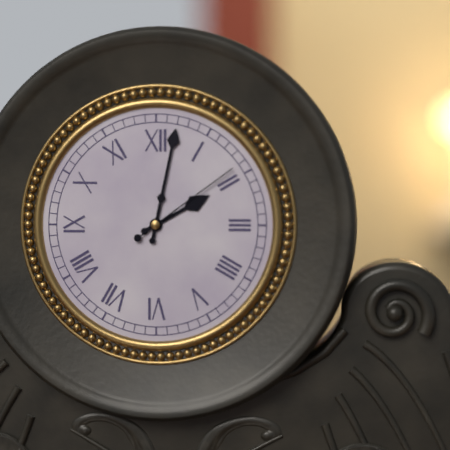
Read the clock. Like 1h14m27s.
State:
2h02m09s
